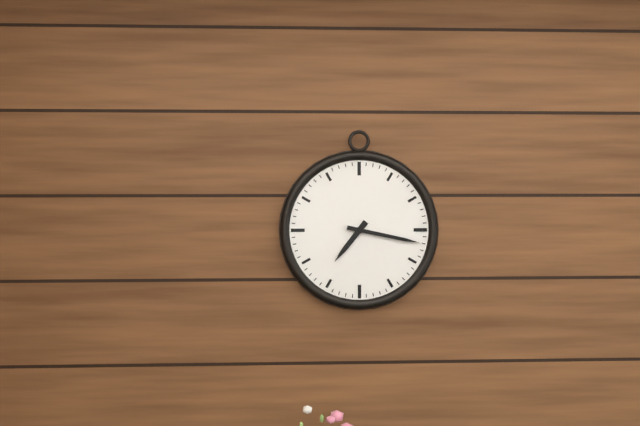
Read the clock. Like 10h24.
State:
7h17
